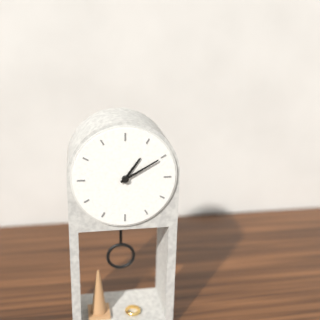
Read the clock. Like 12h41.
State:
1h10
